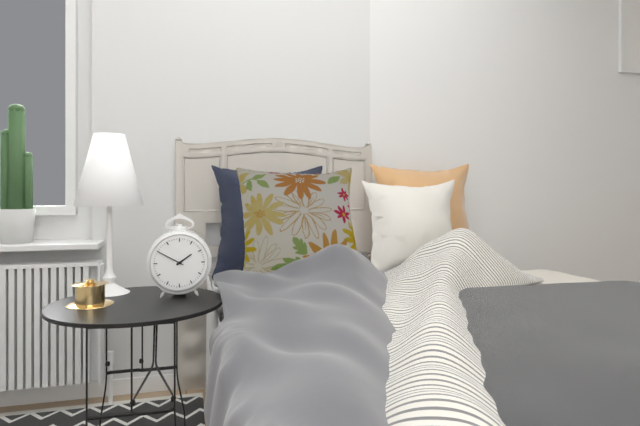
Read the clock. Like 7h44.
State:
1h50
